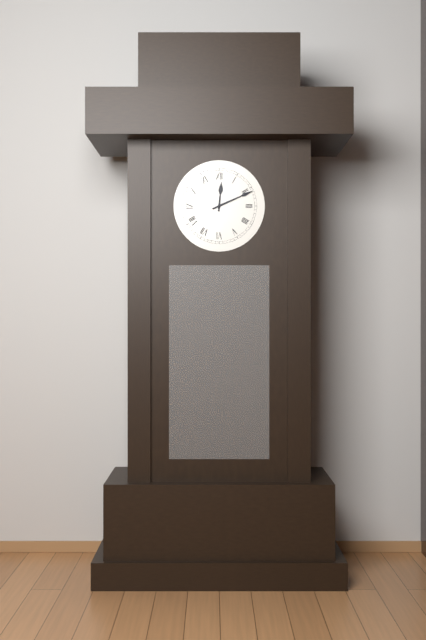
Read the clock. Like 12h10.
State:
12h11
